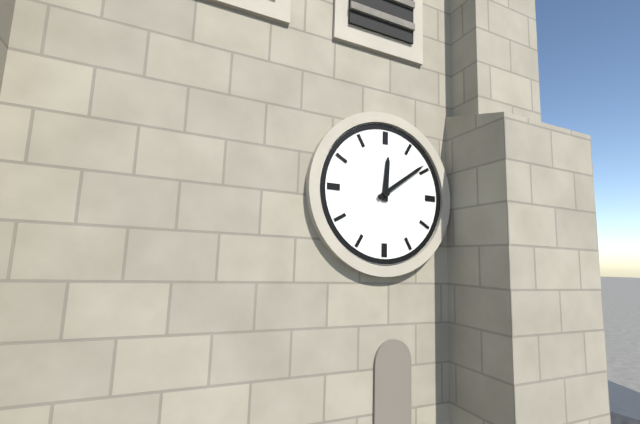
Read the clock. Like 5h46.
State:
12h09
